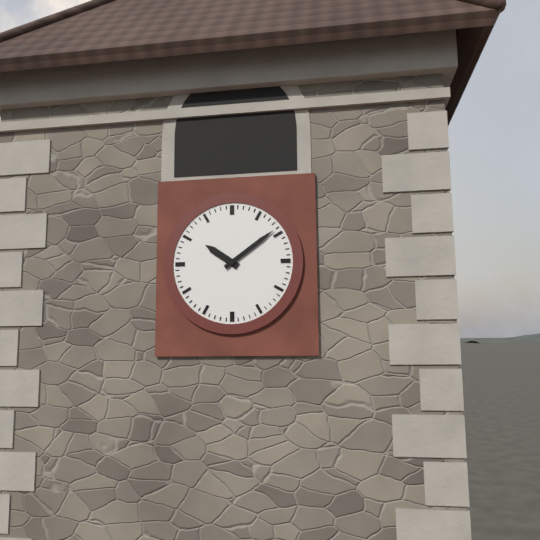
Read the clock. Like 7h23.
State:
10h09
